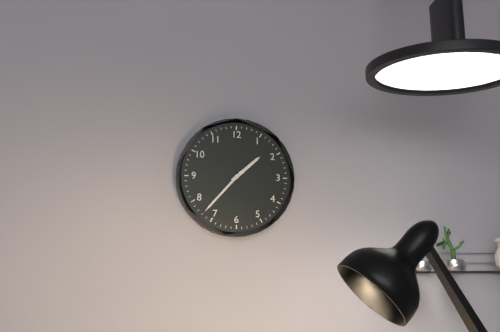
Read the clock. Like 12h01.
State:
1h37
